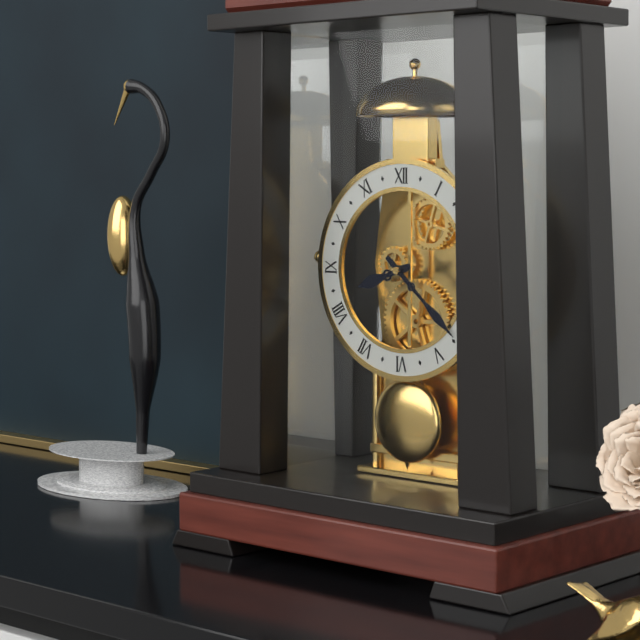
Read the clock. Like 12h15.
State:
8h22
